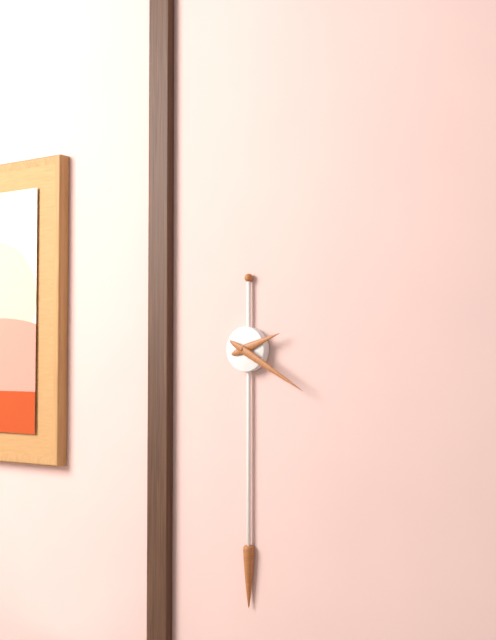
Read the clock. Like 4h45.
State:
2h20
